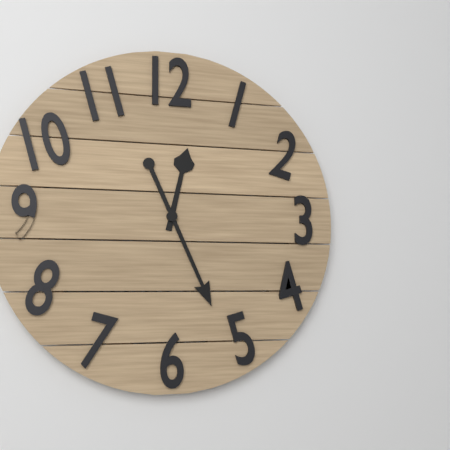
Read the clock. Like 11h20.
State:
12h26
